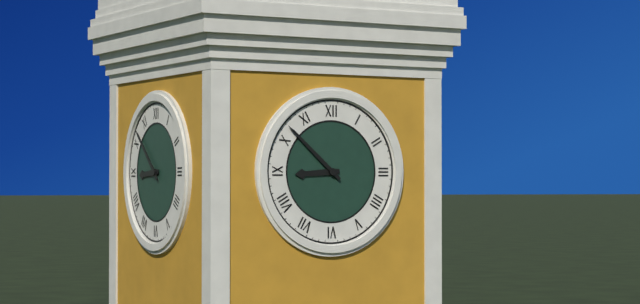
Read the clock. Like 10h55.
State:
8h52
